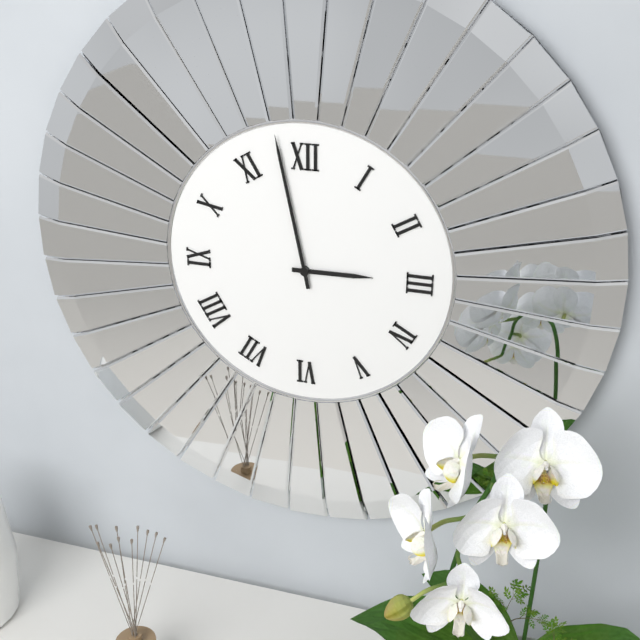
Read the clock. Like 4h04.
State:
2h58
